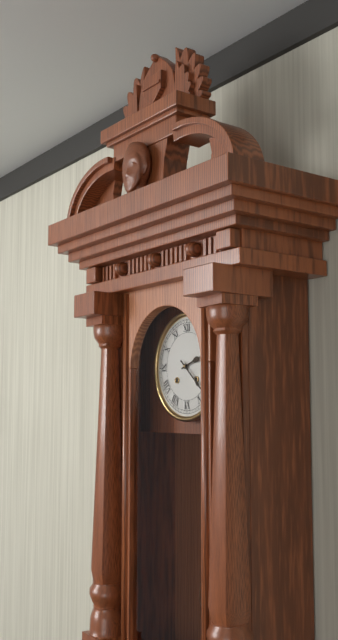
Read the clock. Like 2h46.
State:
2h22
